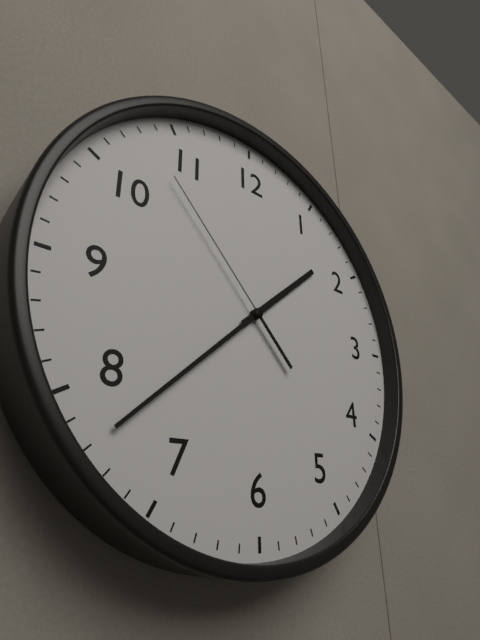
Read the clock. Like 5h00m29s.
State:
1h38m53s
